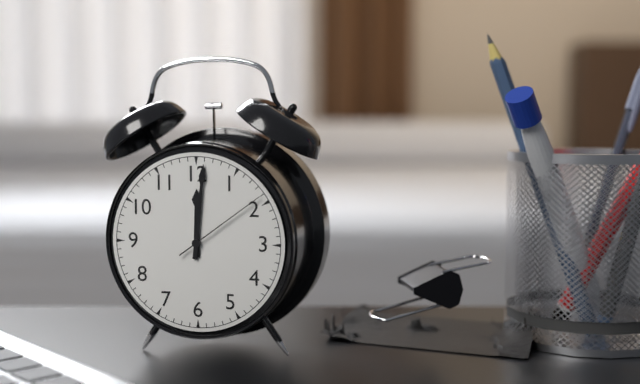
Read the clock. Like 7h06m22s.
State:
12h01m09s
